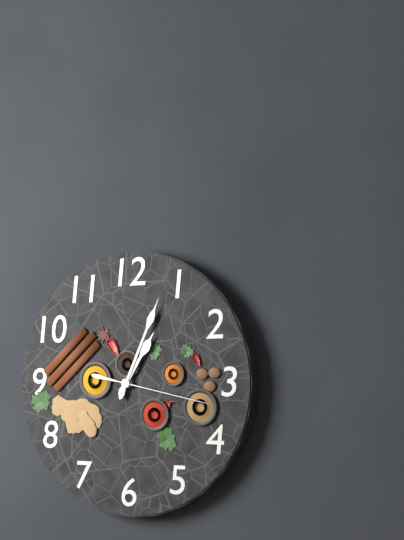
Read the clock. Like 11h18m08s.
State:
1h04m17s
